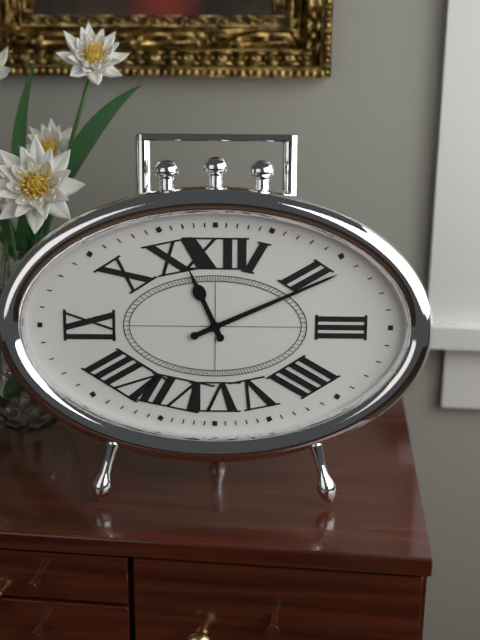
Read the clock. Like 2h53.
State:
11h11
